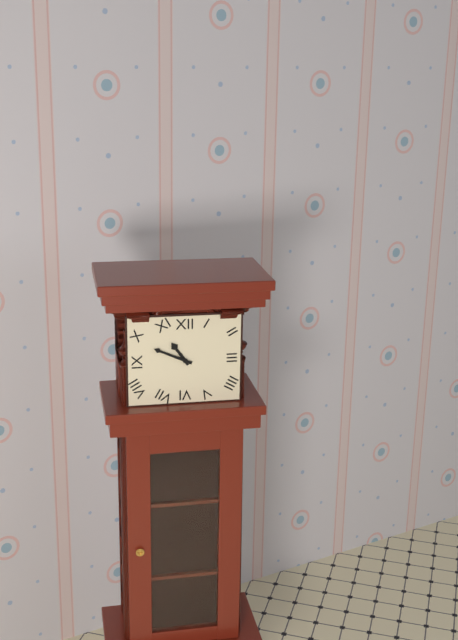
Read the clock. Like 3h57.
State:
10h49
